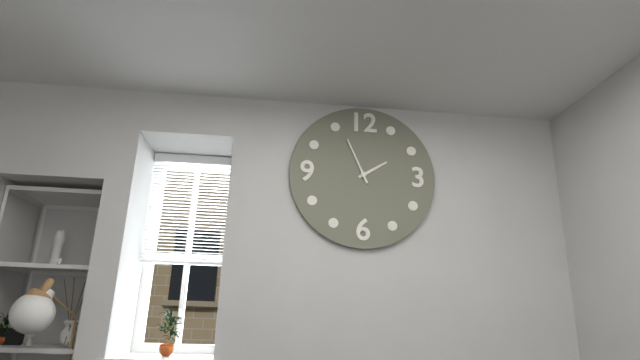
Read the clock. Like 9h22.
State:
1h56
